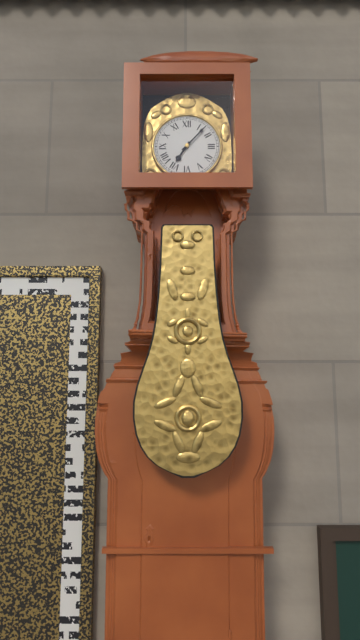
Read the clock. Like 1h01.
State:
7h07
